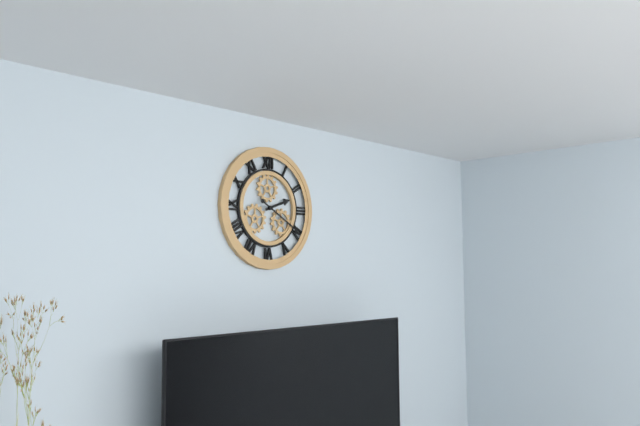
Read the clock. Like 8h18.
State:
2h20
